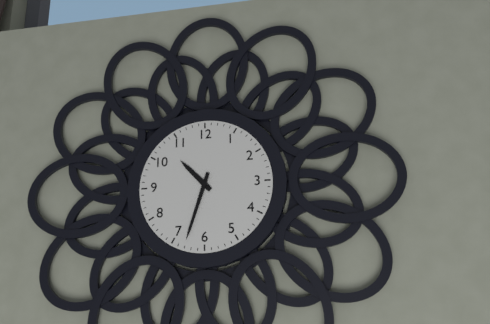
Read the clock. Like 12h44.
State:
10h33
